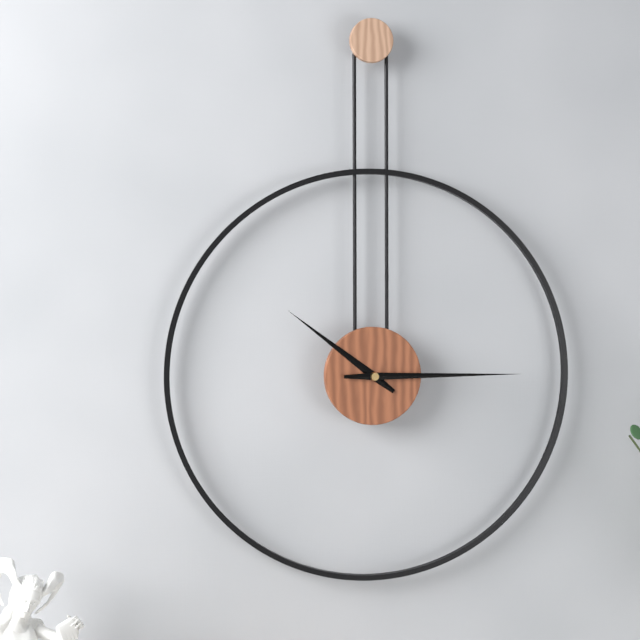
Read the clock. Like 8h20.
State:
10h15
